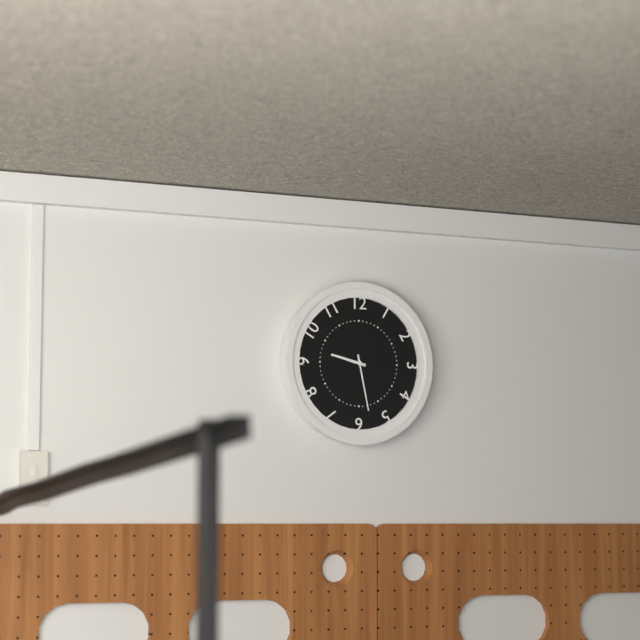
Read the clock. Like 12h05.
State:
9h28
